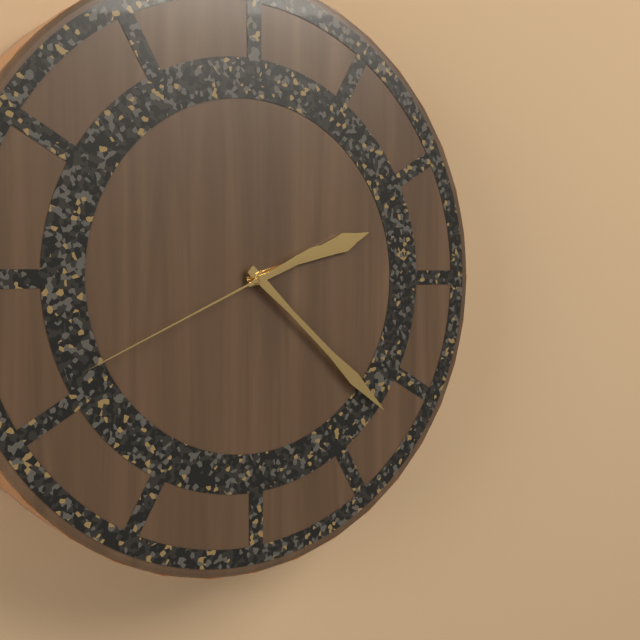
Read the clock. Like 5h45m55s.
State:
2h22m41s
